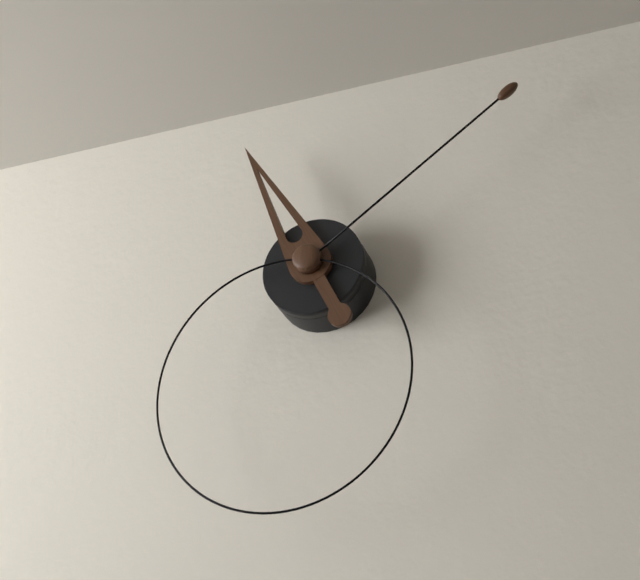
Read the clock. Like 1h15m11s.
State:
11h09m32s
